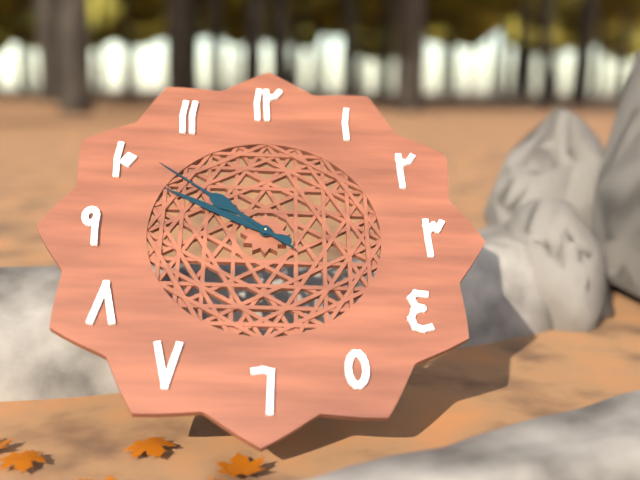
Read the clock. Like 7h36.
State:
9h51
